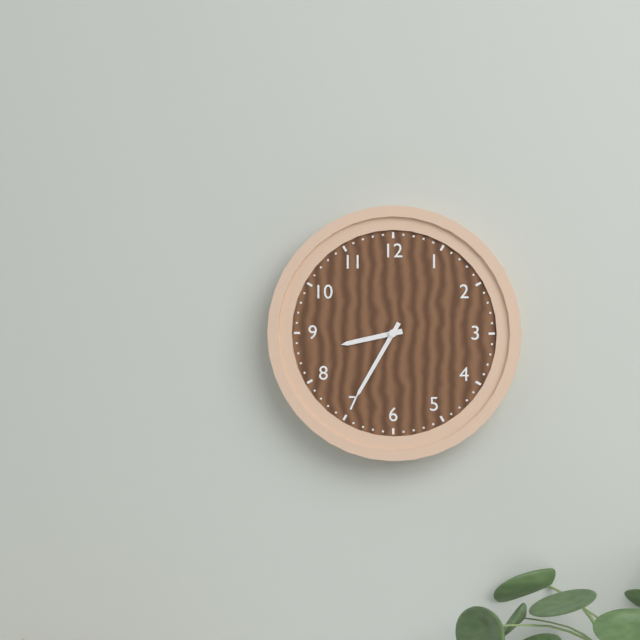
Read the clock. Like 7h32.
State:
8h35
